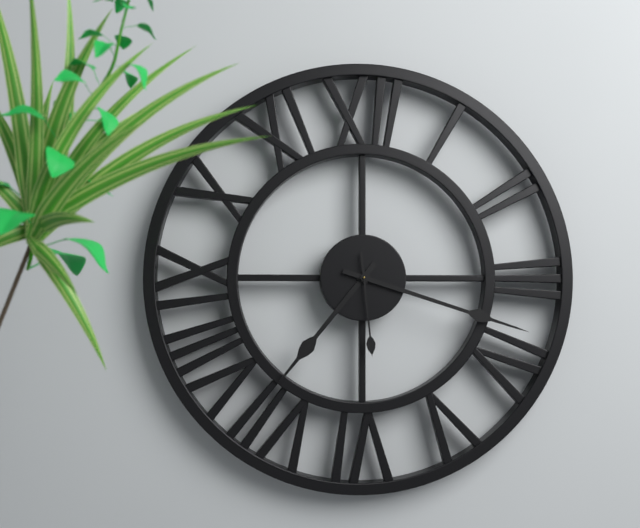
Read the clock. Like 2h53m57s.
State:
7h18m29s
